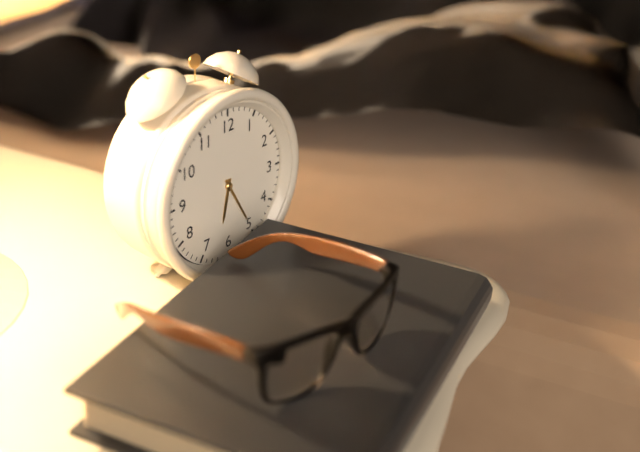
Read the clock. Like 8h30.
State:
6h25
